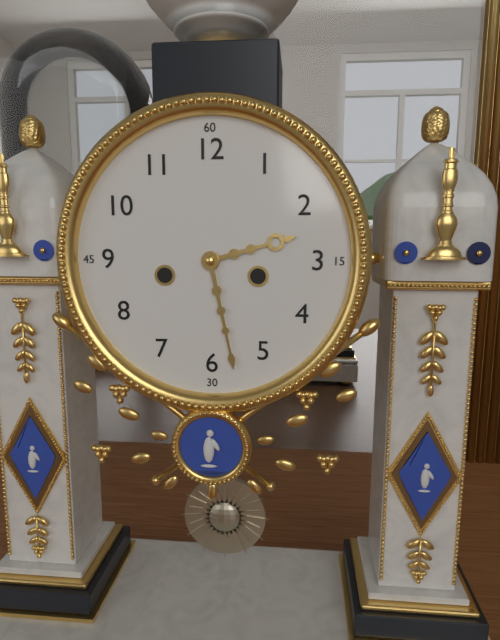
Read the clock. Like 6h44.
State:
2h28
